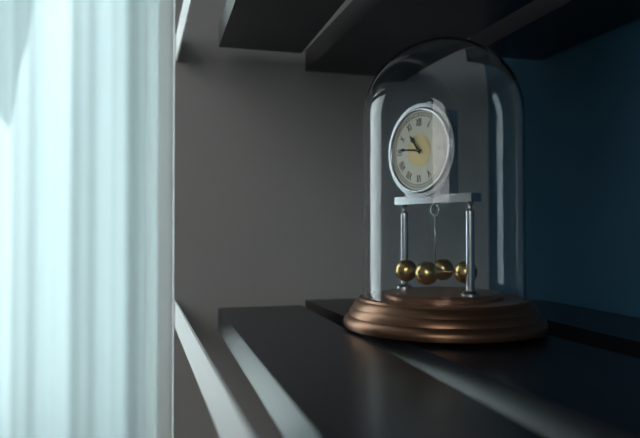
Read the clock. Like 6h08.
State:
10h46
